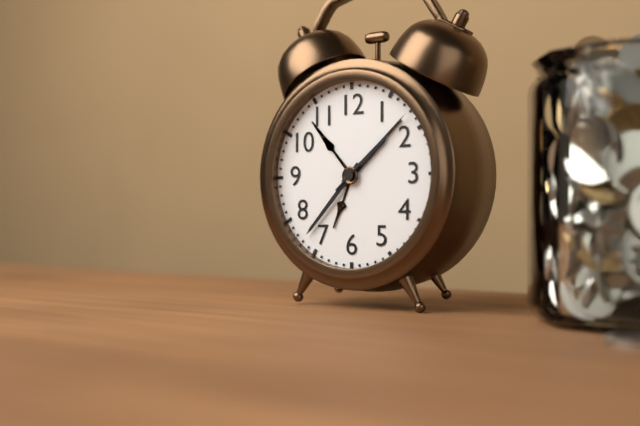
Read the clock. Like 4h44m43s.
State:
1h37m08s
